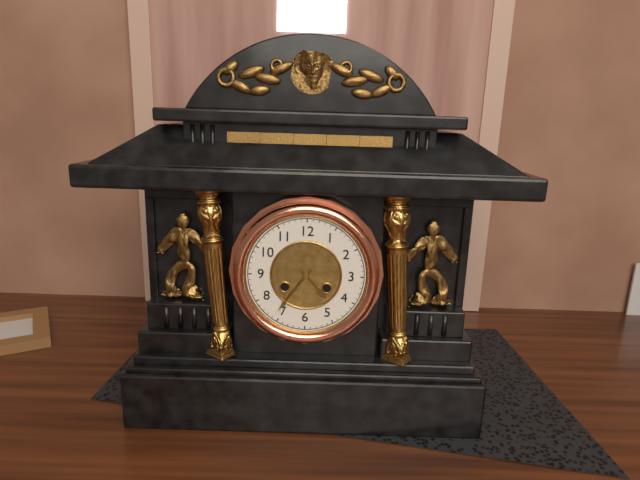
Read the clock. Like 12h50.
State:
4h36
